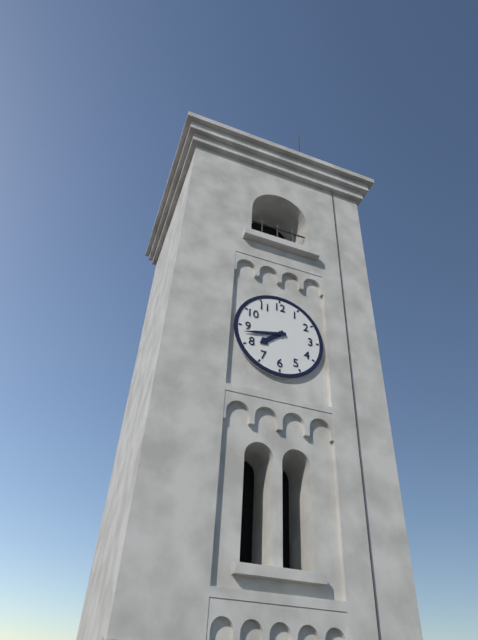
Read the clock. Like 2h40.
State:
7h43
